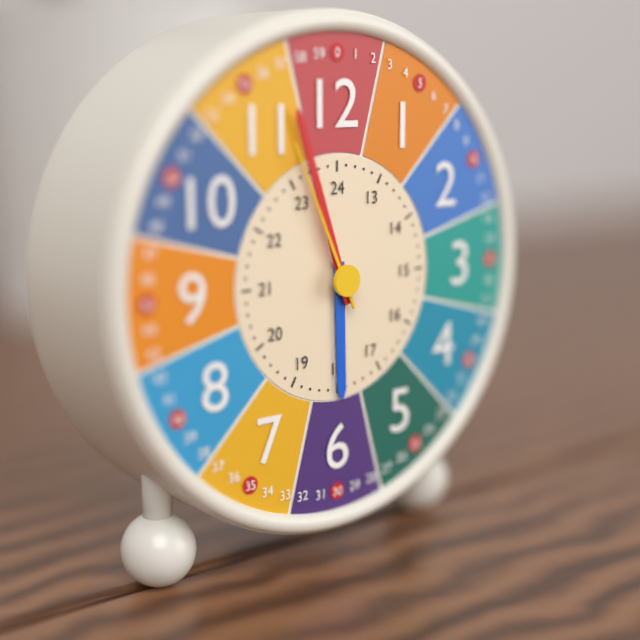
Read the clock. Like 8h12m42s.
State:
5h57m56s
